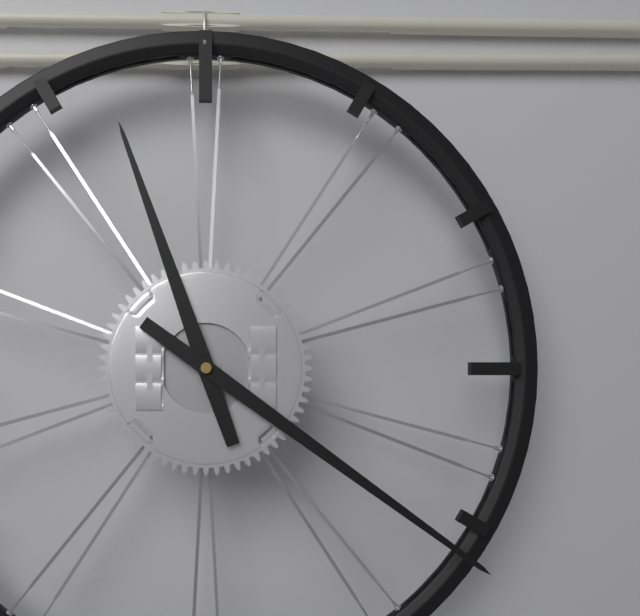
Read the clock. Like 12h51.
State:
11h21
